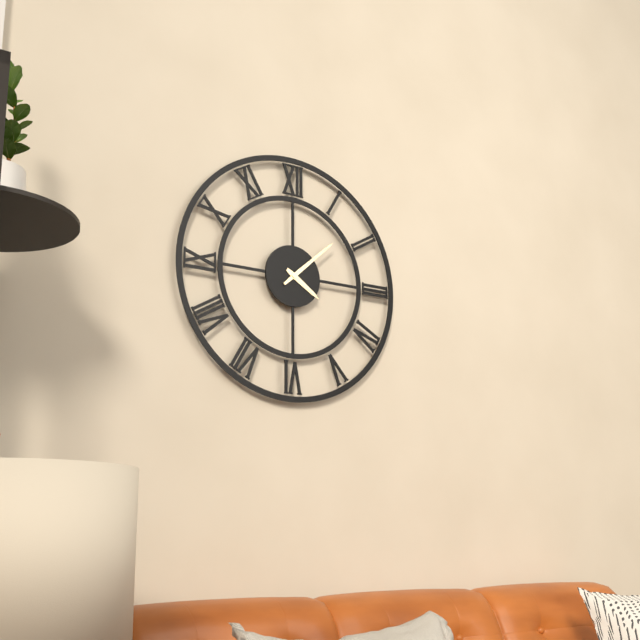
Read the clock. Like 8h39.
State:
4h08
